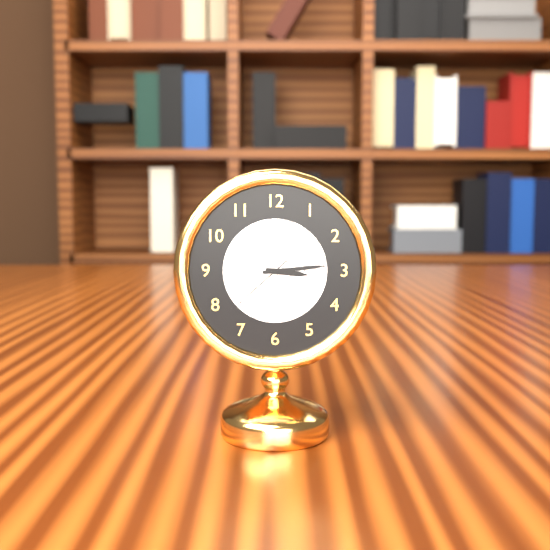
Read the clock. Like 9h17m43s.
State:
3h14m38s
